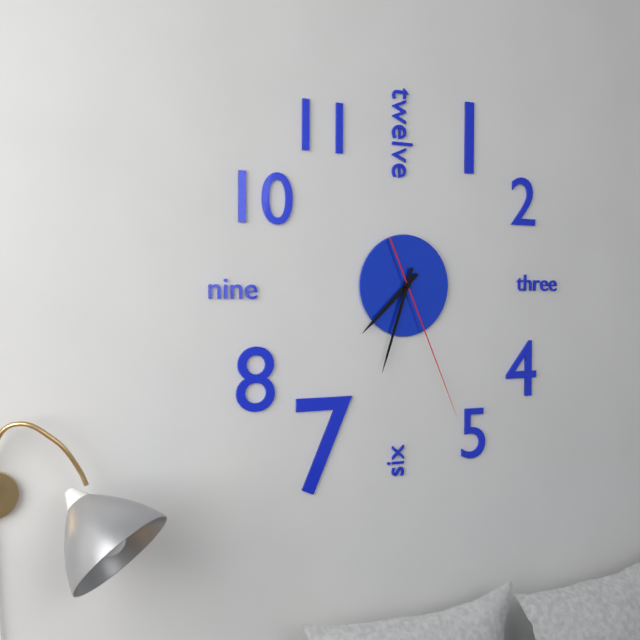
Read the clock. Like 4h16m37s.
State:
7h33m26s
